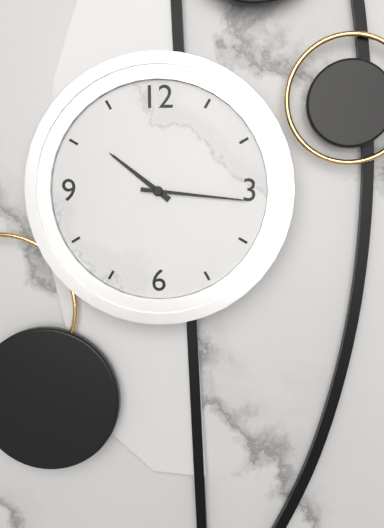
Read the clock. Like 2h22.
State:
10h16
